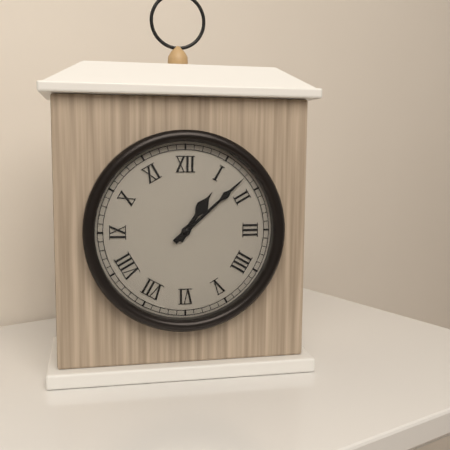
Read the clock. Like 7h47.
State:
1h08
